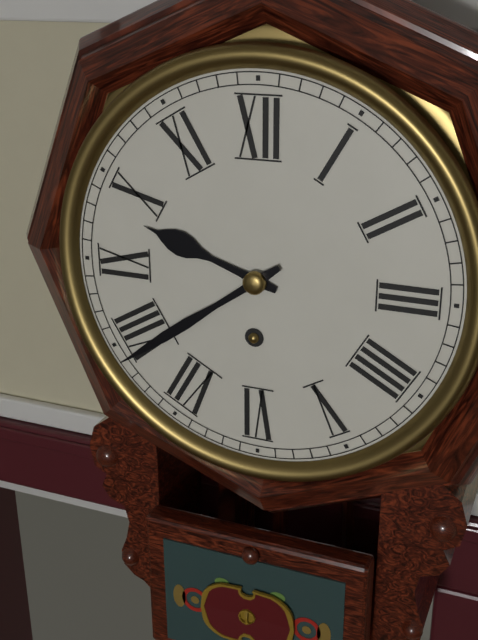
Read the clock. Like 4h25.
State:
9h39
